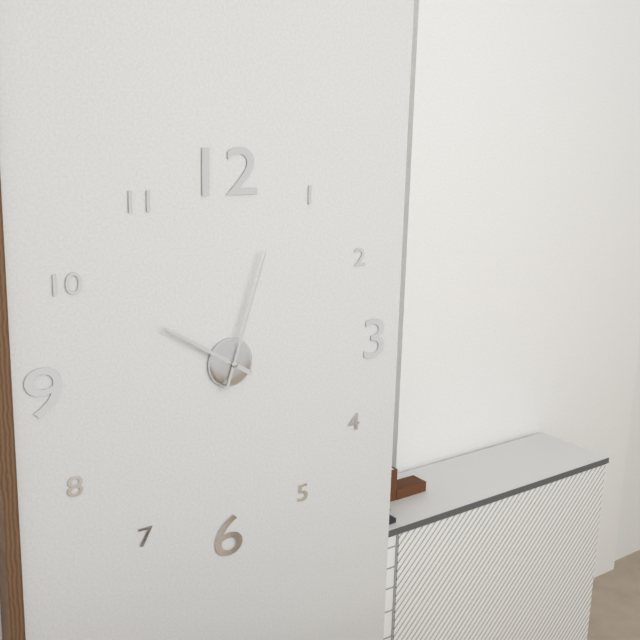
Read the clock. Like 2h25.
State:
10h03
